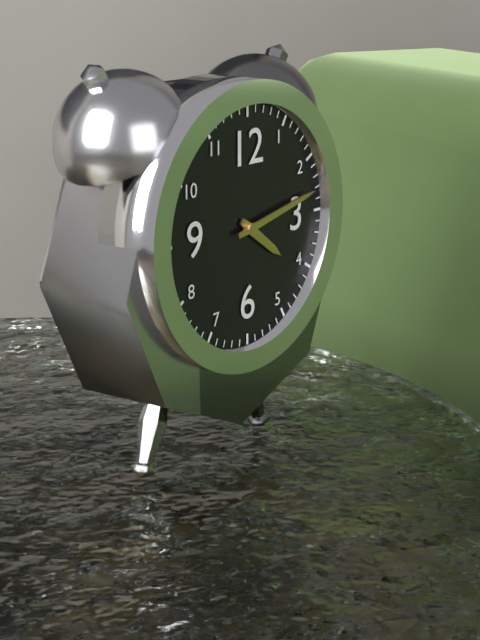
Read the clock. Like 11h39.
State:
4h13
